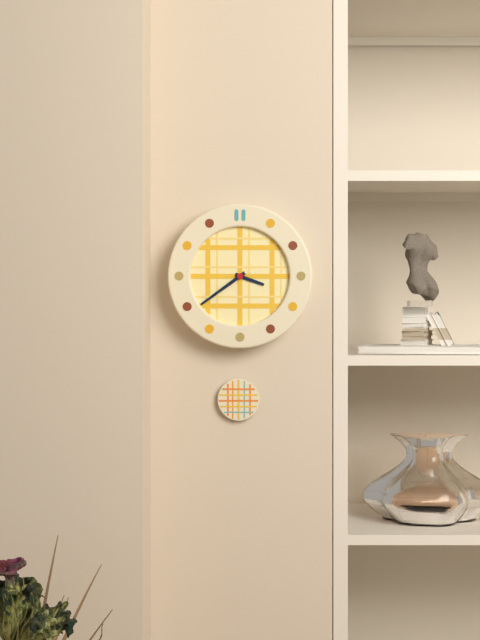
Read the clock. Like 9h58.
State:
3h39
